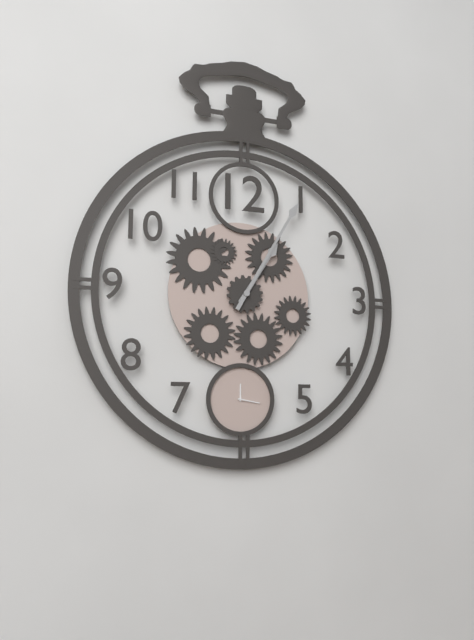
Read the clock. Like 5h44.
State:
1h05
